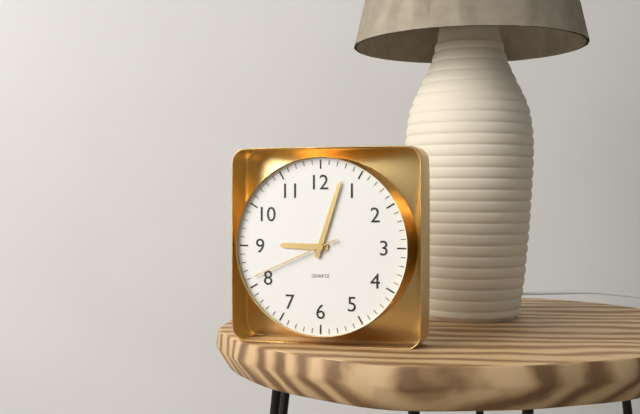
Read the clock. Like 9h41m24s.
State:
9h03m41s
